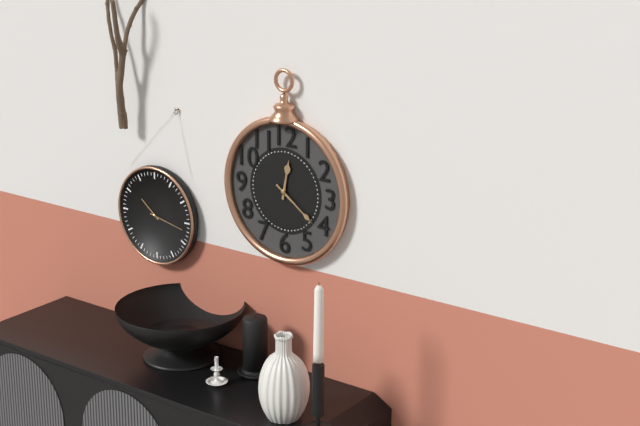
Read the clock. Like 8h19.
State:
12h21
